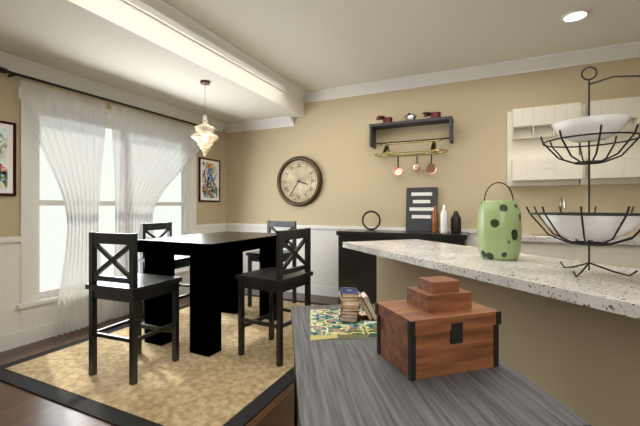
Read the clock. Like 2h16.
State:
3h36
